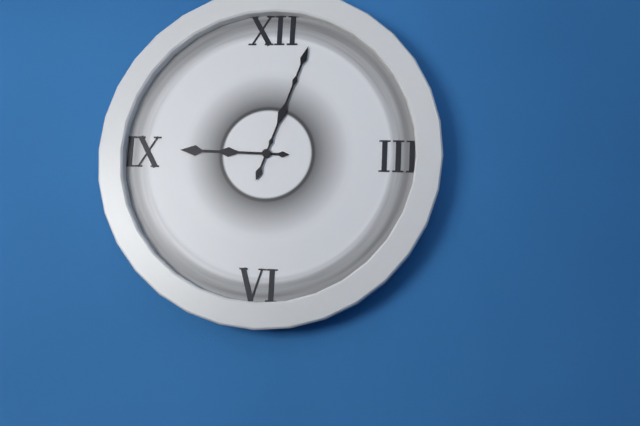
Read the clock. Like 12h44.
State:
9h03
